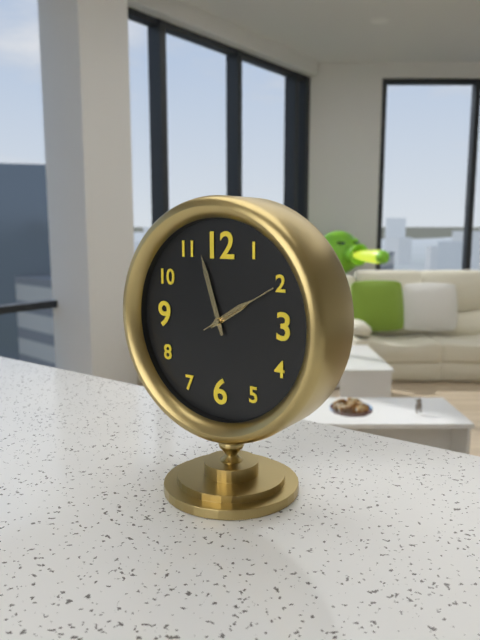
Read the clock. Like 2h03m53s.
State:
1h57m10s
